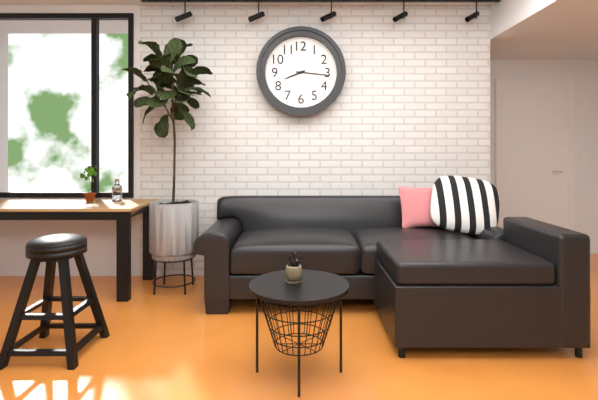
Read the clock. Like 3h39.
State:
8h16
